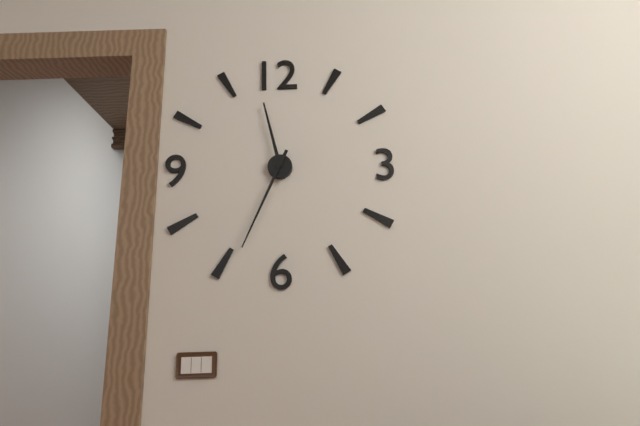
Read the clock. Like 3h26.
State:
11h34
